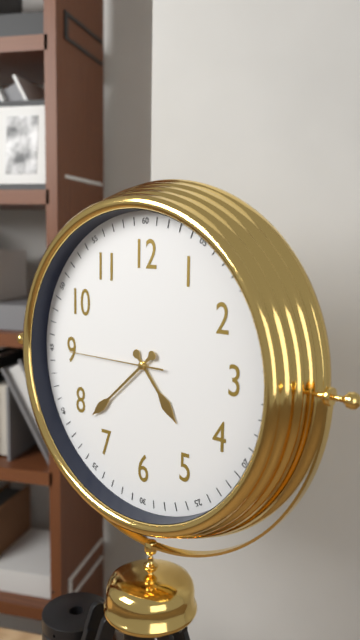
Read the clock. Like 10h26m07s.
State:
4h38m45s
